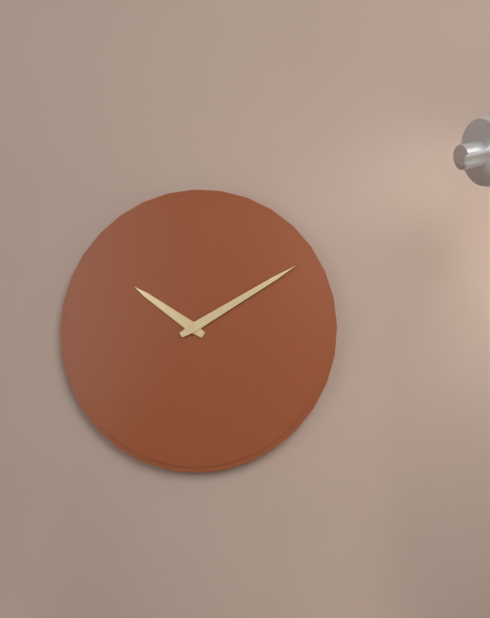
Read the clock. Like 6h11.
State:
10h10
